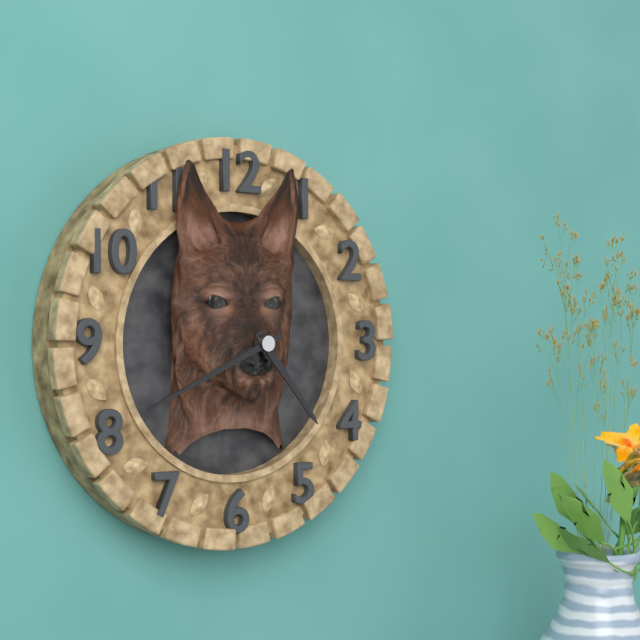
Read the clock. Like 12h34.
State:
4h41
